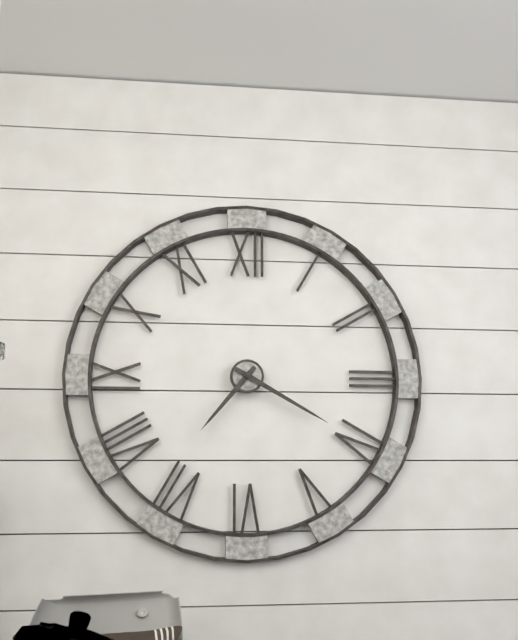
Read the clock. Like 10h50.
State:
7h20
